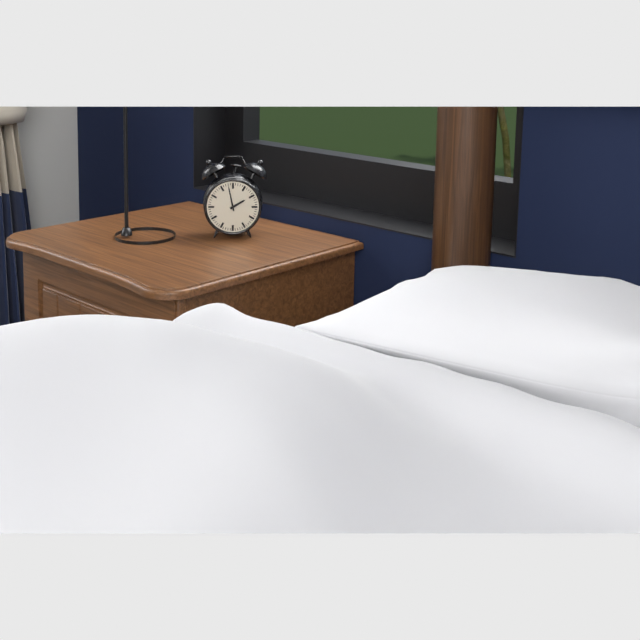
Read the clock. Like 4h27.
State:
1h58
